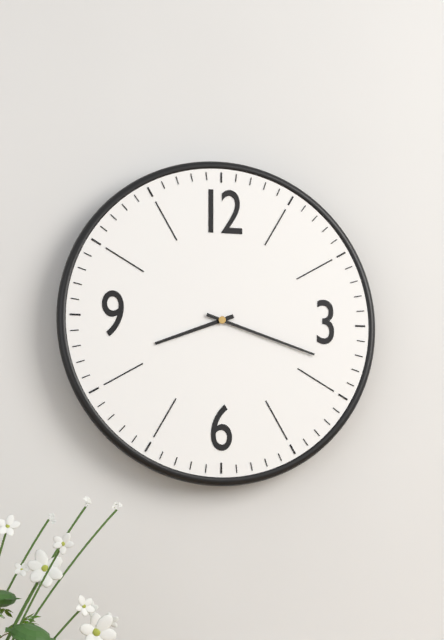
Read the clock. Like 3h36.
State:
8h18
